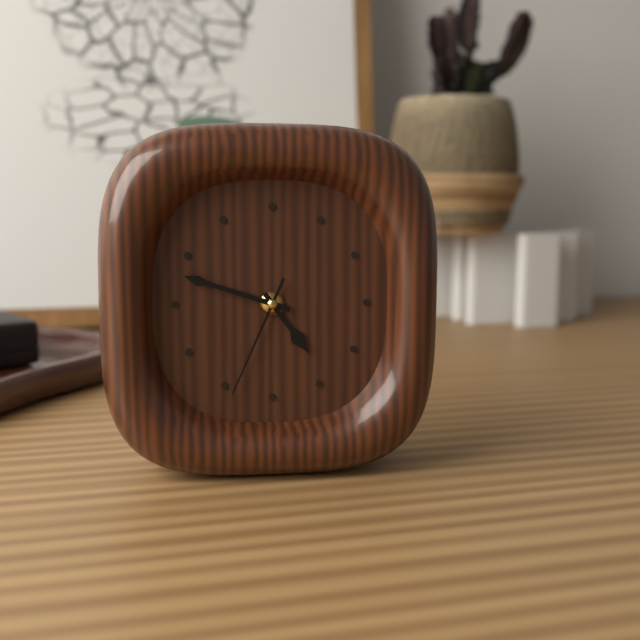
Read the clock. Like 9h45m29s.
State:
4h48m34s
